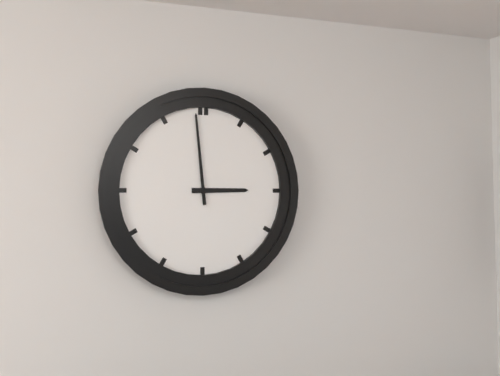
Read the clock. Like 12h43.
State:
2h59
